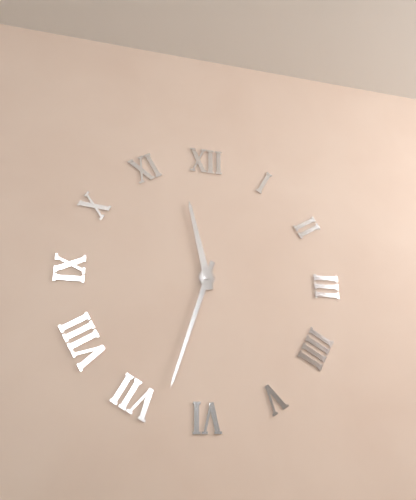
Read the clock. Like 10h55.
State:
11h33
